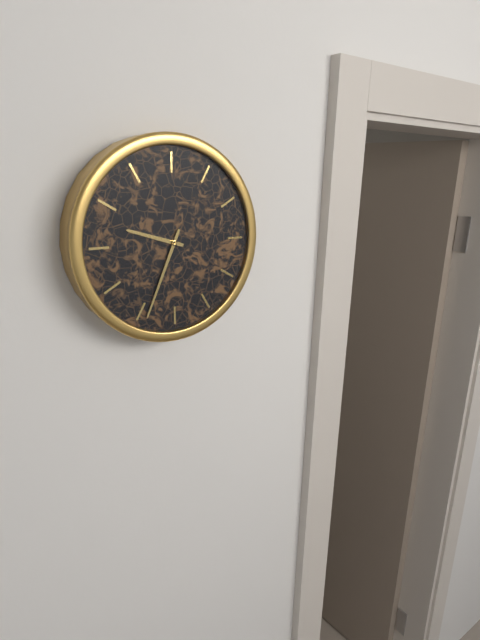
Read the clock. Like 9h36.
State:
9h34
